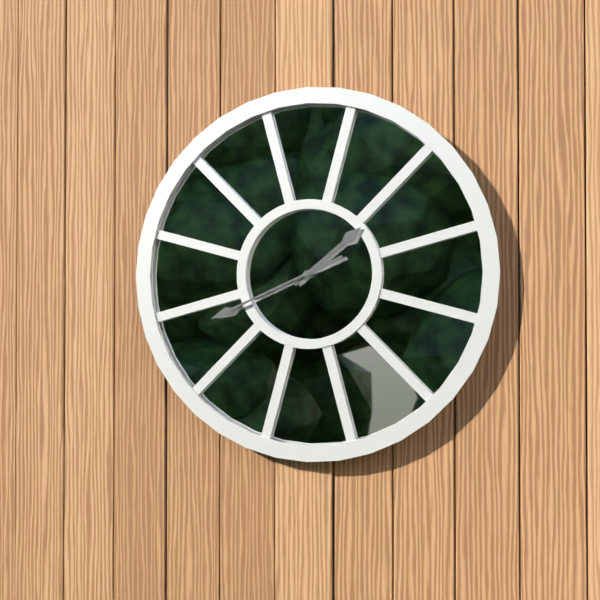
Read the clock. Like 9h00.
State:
1h41
